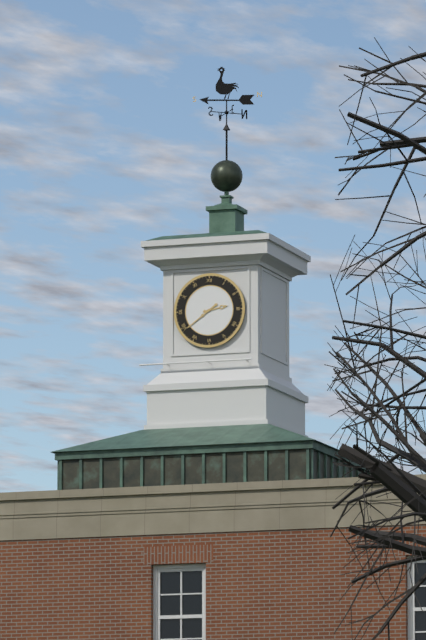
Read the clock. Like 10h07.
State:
2h39
